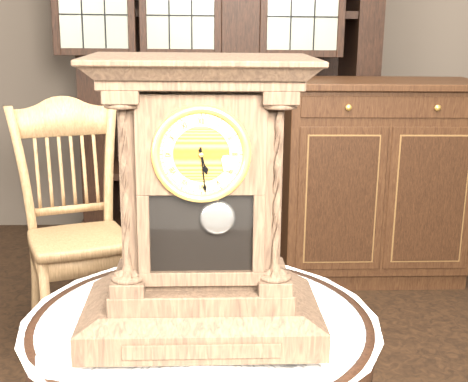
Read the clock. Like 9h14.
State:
5h29
